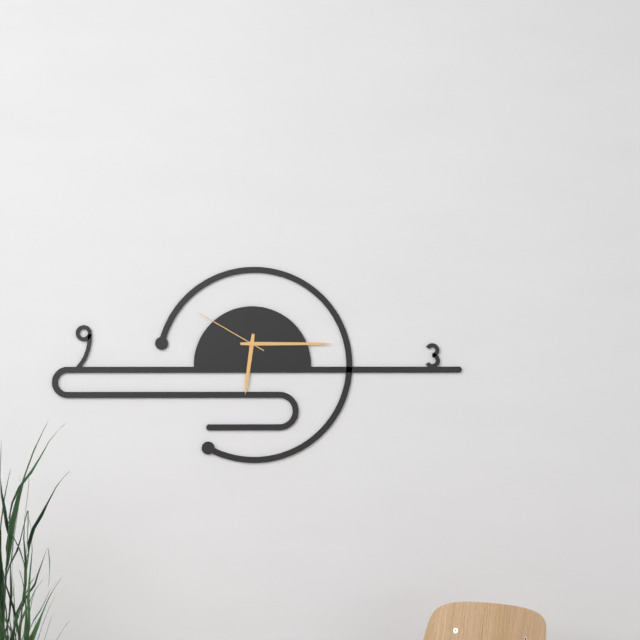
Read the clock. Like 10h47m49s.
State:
6h15m50s
